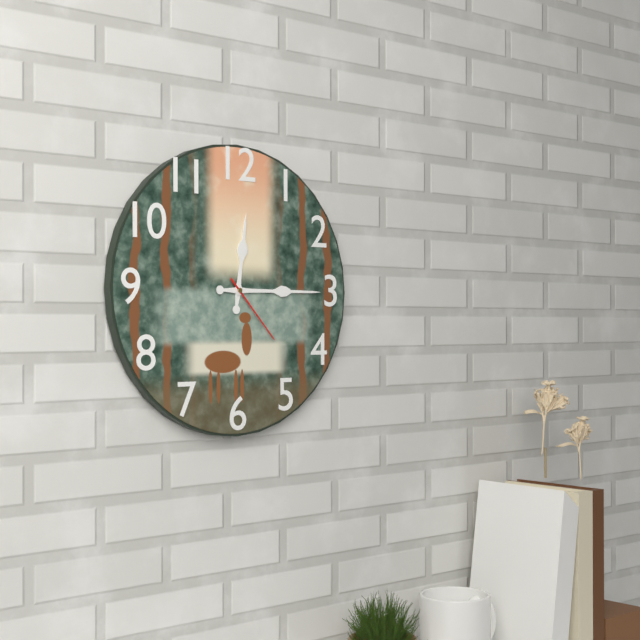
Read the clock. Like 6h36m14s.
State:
12h15m23s
